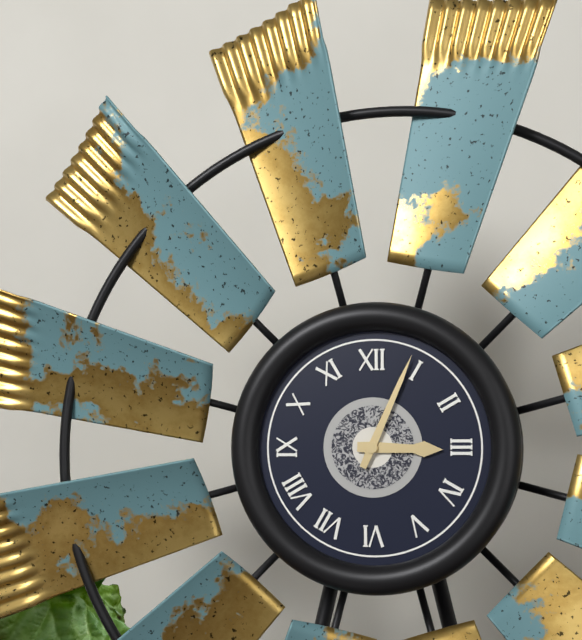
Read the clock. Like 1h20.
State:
3h04
